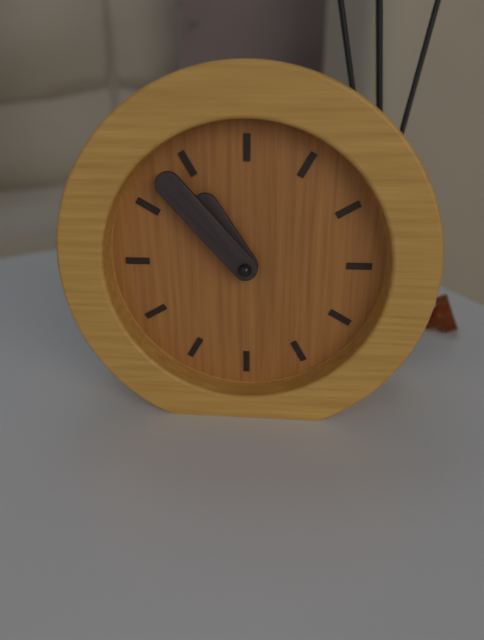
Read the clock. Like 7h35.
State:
10h53
